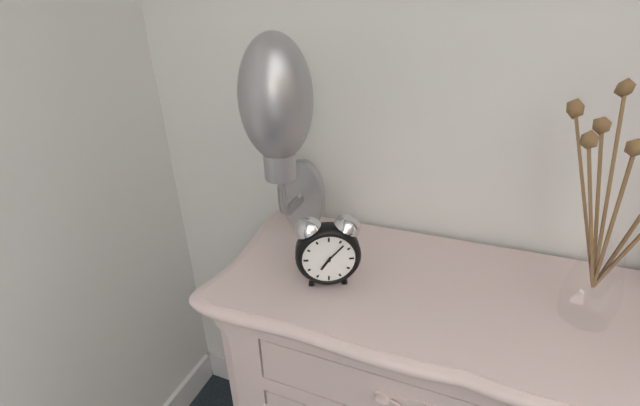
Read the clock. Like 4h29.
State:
7h07
